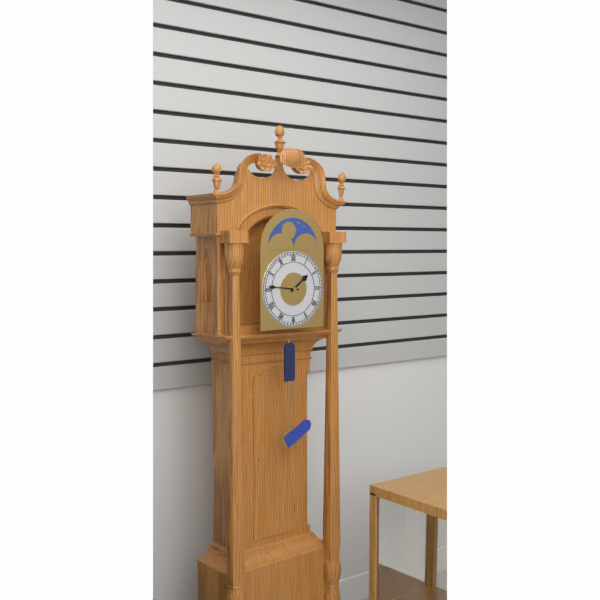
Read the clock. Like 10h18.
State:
1h46
